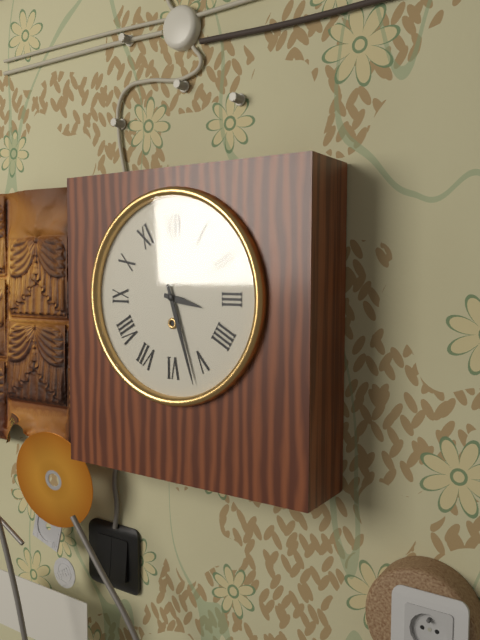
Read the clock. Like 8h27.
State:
3h27
